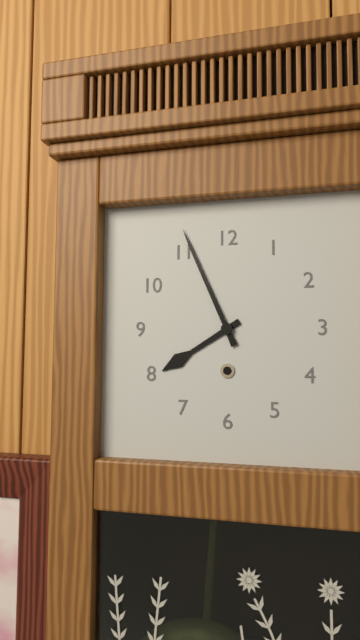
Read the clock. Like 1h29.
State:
7h56
